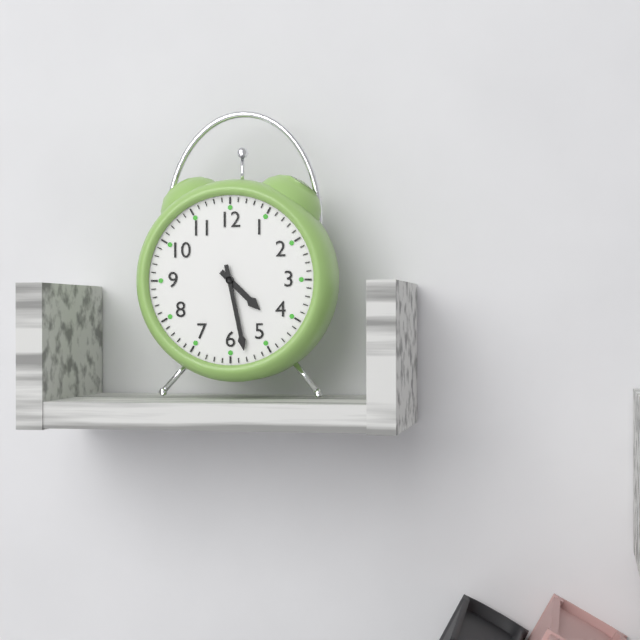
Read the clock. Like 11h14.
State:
4h28
